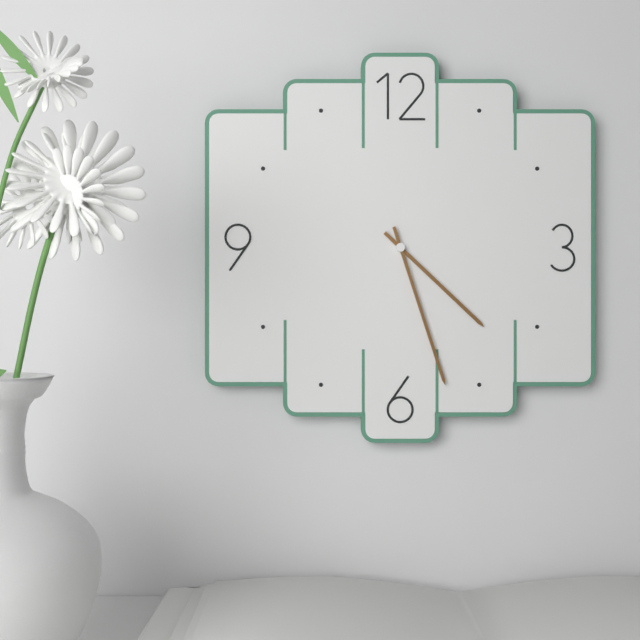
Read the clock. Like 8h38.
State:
4h27
